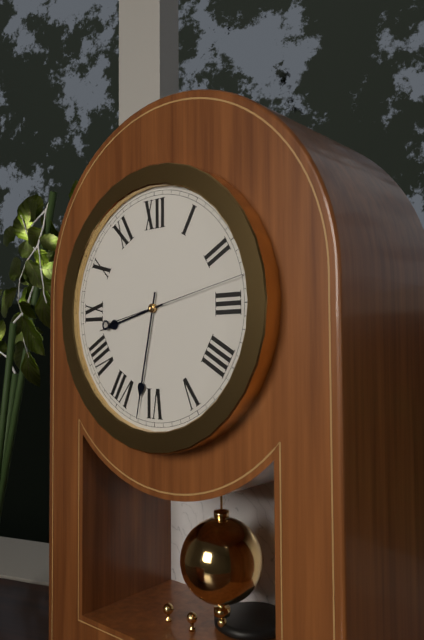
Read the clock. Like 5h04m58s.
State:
8h32m13s
